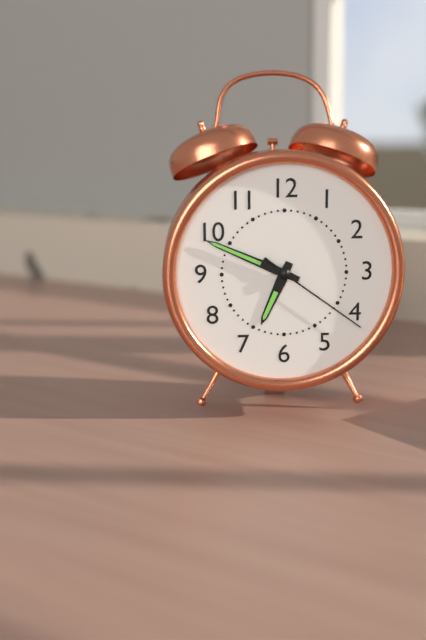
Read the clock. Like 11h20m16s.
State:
6h49m21s
